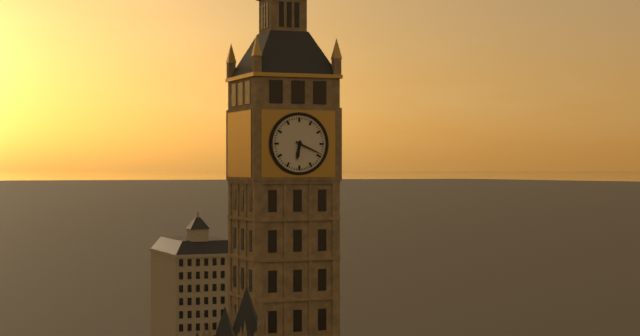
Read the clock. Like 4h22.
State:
6h19
